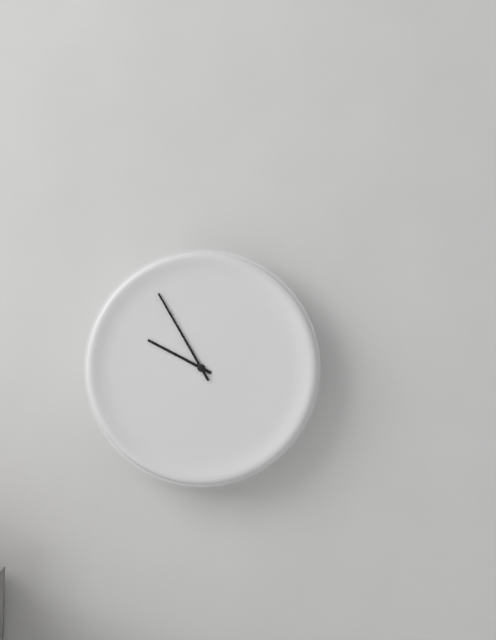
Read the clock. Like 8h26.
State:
9h55
